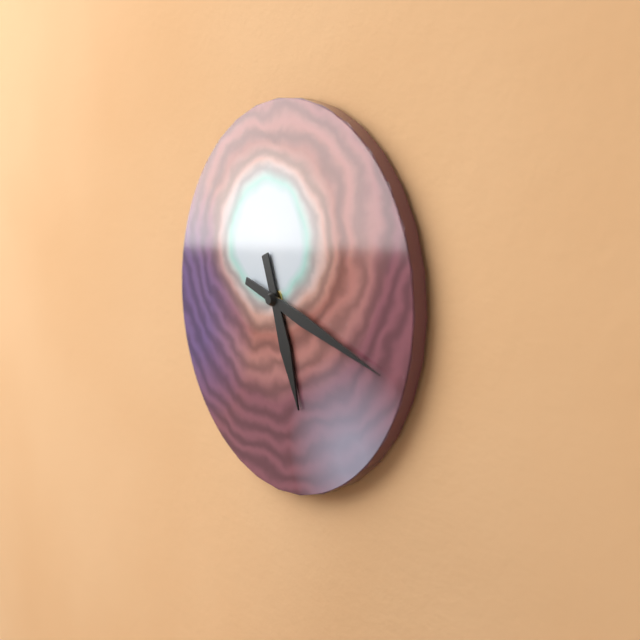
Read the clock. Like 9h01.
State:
5h18
